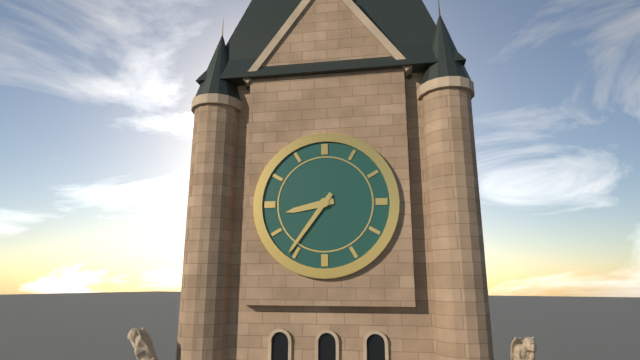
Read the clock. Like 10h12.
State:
8h36
